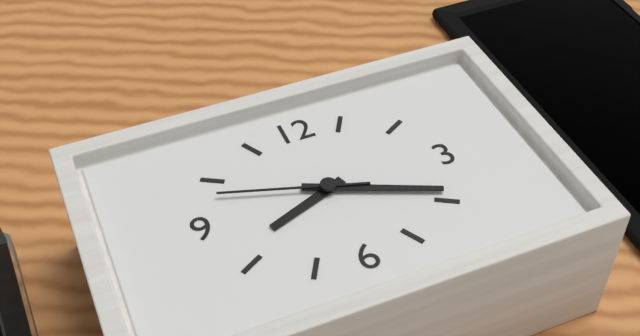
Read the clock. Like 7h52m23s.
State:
8h19m48s
